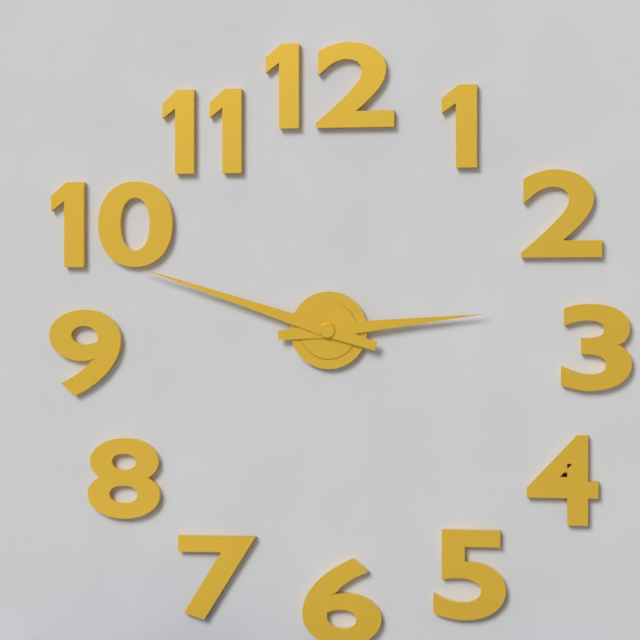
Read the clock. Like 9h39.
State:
2h48
